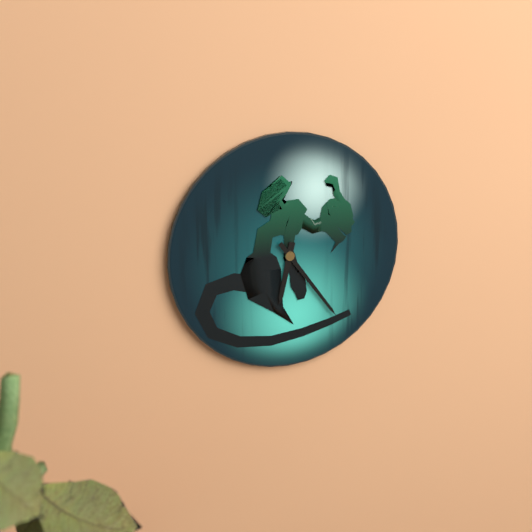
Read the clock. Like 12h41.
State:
6h24
